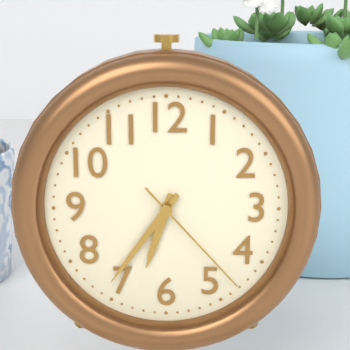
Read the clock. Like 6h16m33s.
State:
6h36m23s
